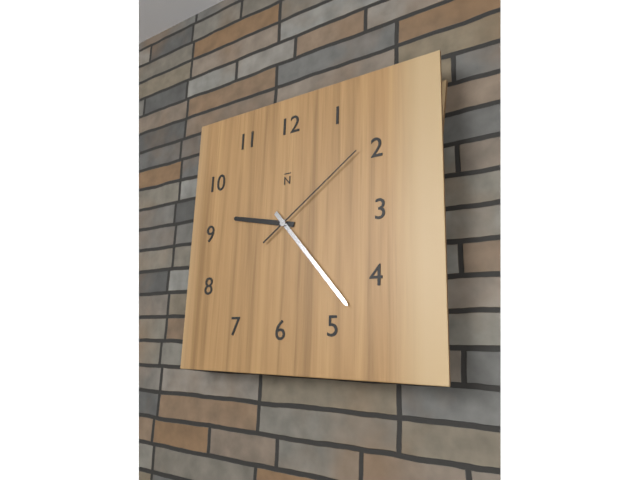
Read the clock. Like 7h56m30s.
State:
9h23m09s
